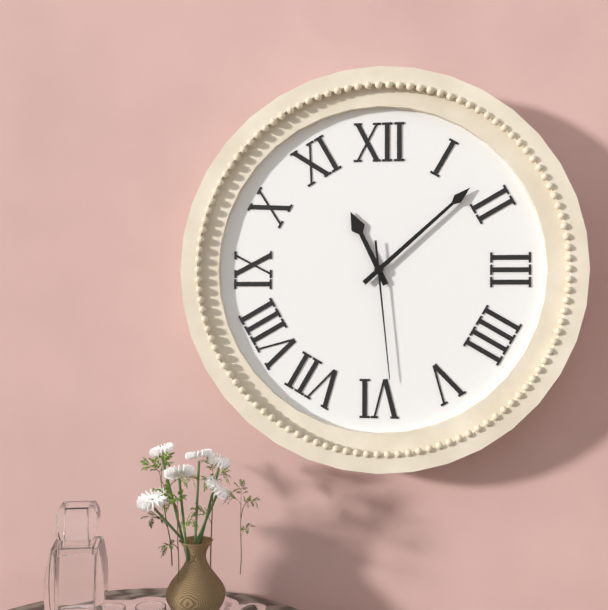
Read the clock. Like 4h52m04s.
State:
11h08m29s
